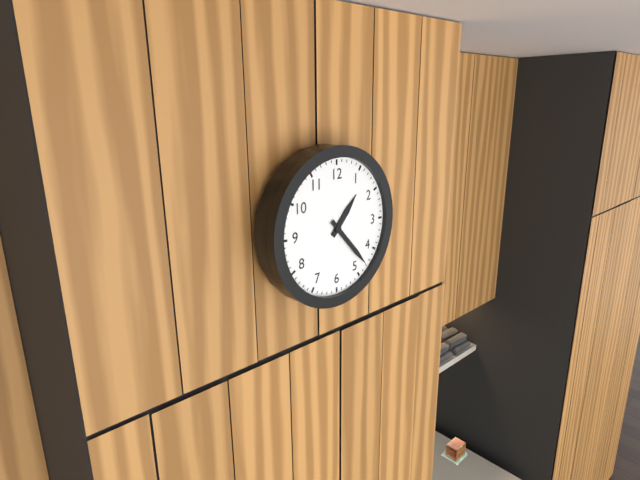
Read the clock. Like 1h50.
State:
1h23
